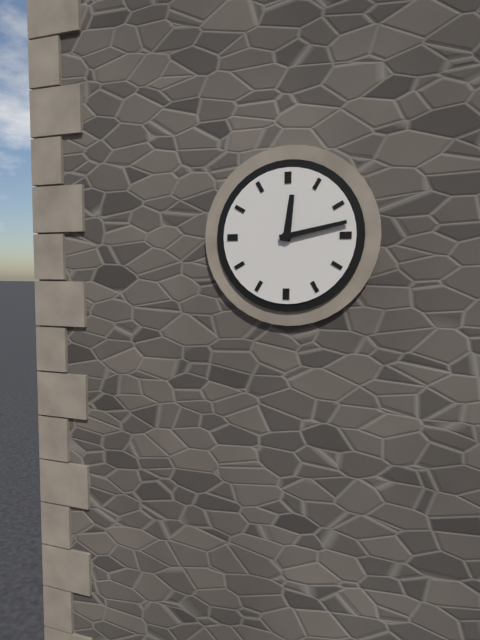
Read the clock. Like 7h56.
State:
12h13
